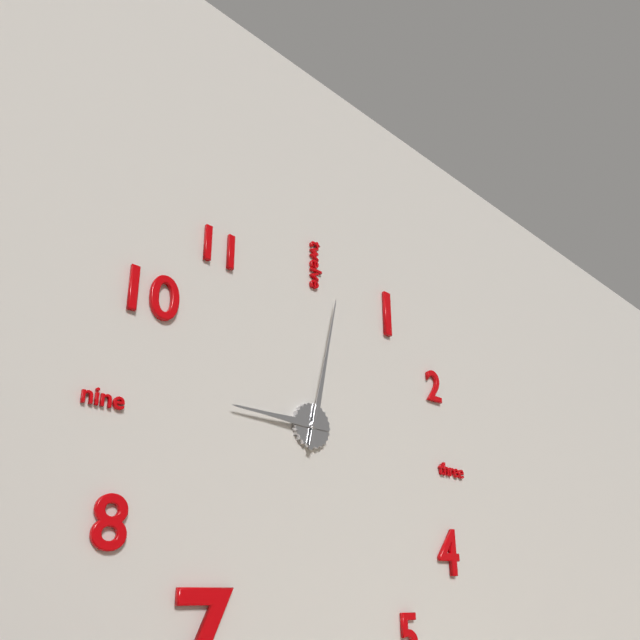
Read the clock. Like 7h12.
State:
9h02
